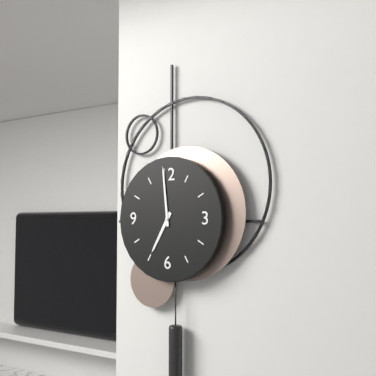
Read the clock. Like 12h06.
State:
6h59
